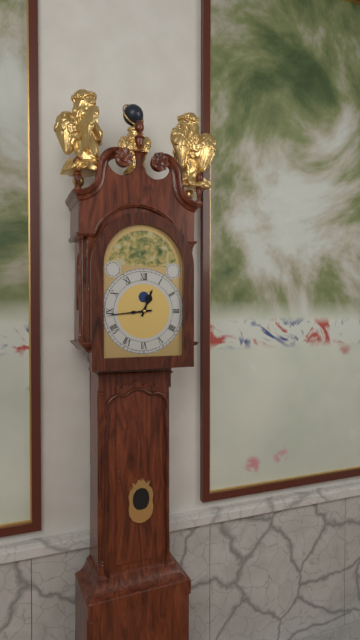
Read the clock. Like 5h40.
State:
12h44
